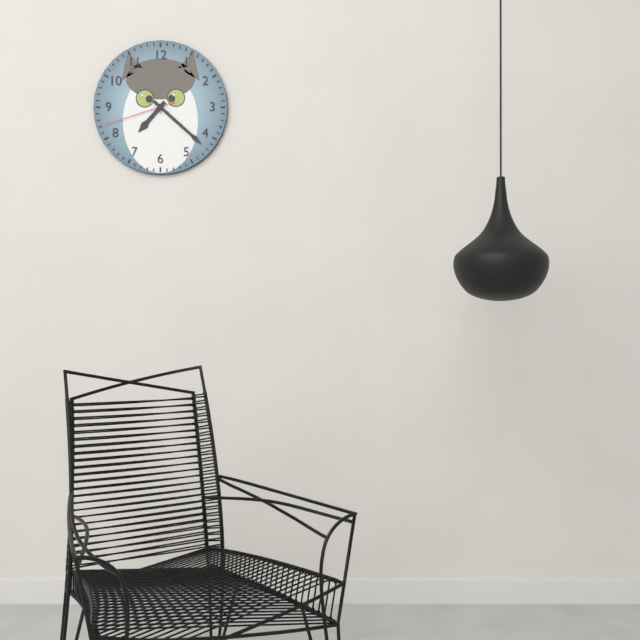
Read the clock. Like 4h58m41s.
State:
7h22m42s
